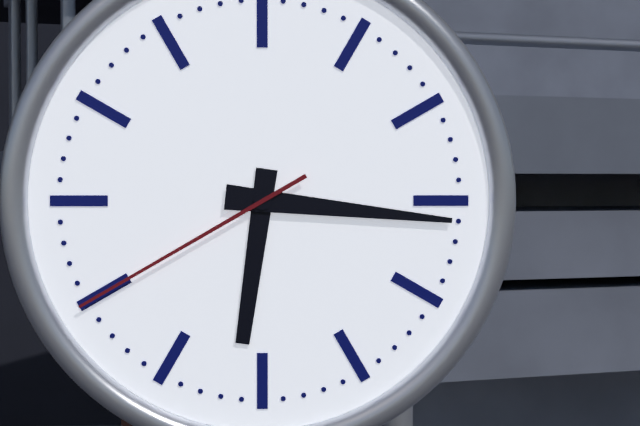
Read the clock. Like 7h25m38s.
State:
6h16m40s
